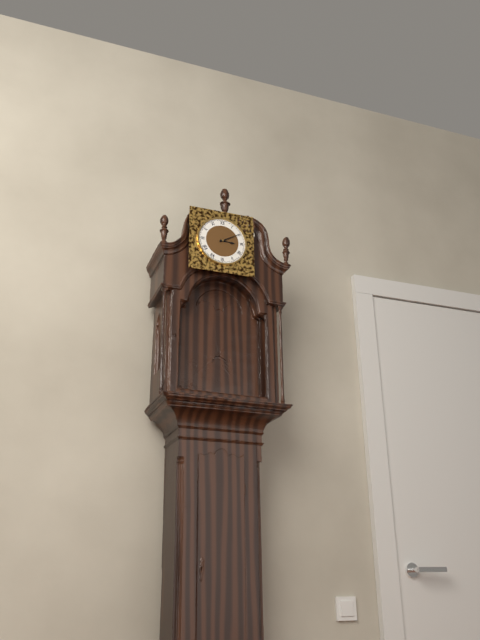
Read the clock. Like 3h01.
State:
3h10
